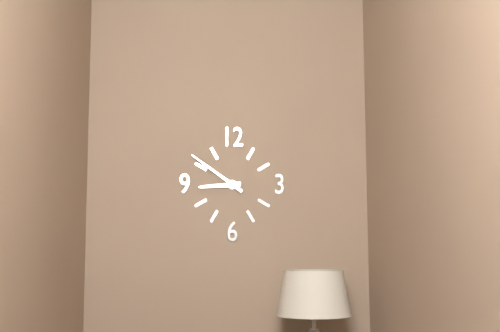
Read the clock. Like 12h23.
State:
8h51
